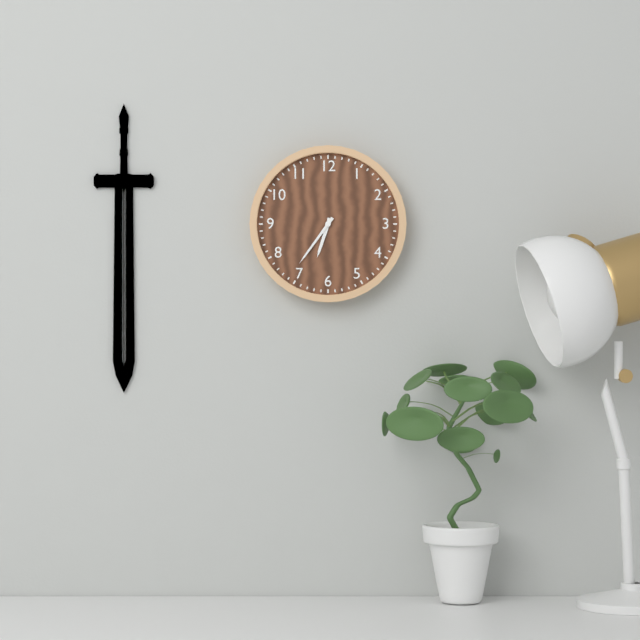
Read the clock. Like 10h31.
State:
6h36
